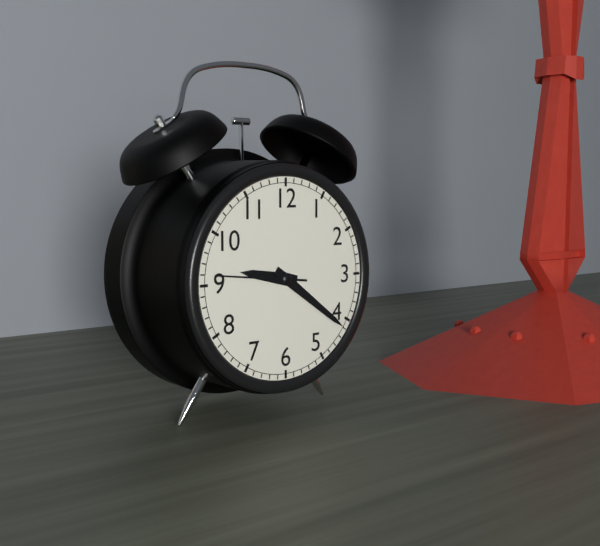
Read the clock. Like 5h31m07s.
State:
9h21m46s
